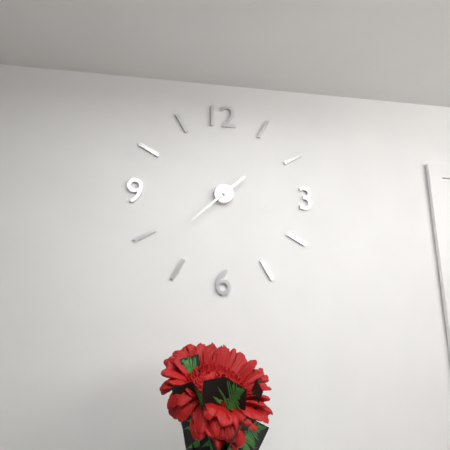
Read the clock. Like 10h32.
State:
1h38
